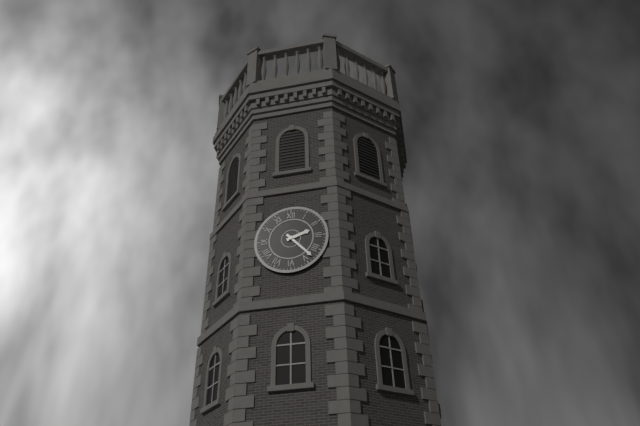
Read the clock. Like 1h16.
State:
2h23
